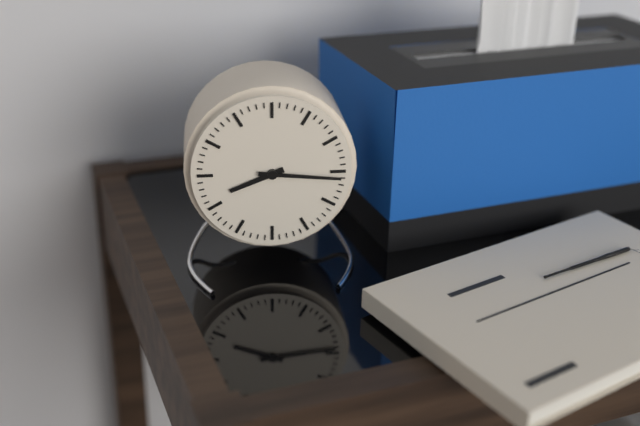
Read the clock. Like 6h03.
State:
8h16
